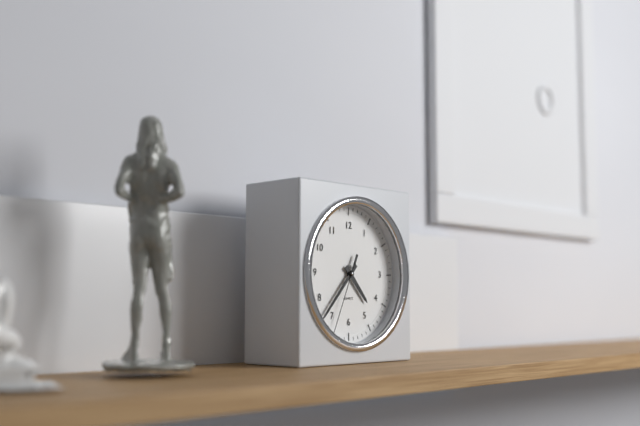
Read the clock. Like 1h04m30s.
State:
4h37m34s
